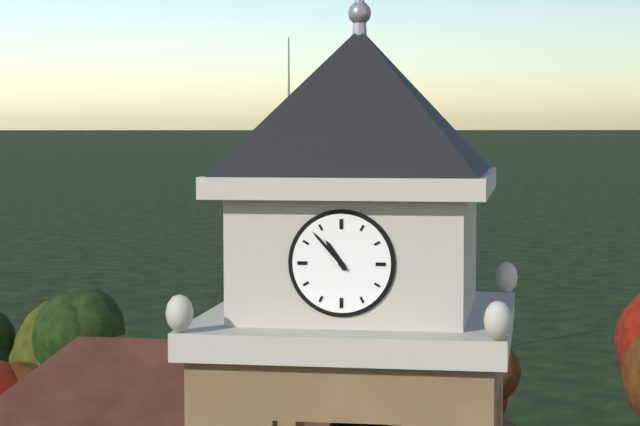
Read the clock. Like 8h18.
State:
10h53
